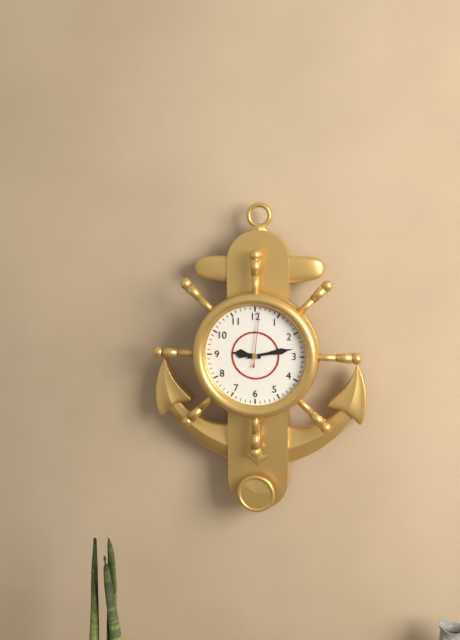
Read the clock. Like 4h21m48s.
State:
9h13m01s
